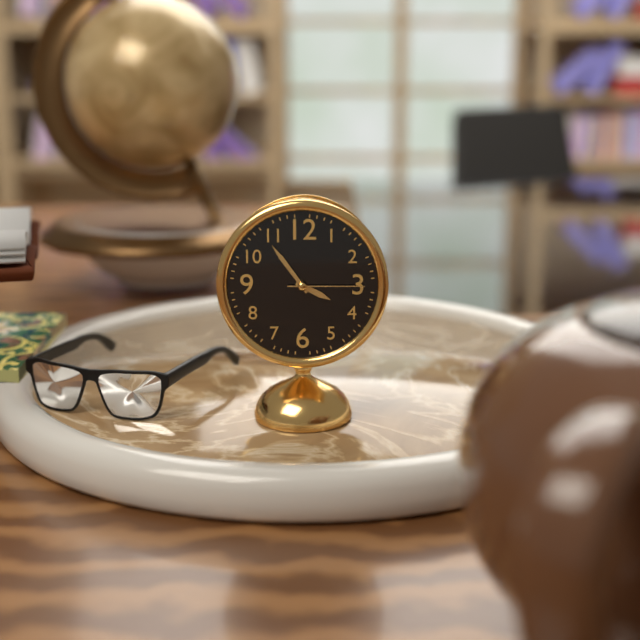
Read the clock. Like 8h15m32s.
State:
3h54m15s
